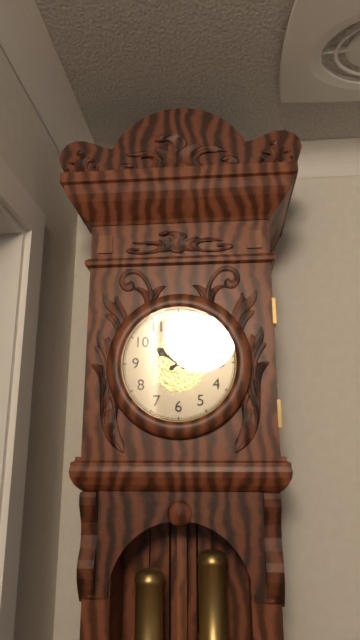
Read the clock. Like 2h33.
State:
10h09
